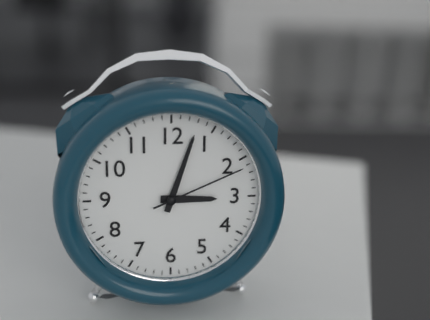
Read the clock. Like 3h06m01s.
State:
3h03m11s
